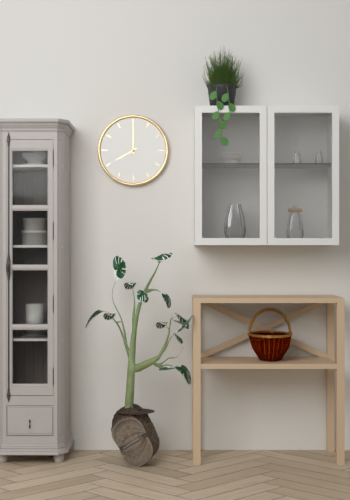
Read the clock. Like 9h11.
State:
8h00
